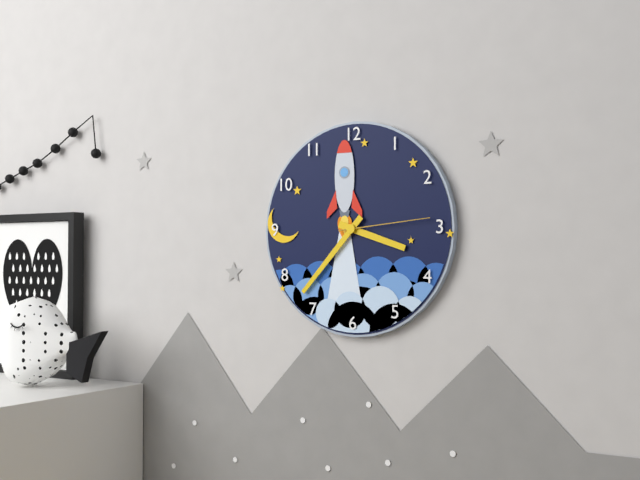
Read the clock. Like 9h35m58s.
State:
3h37m14s
